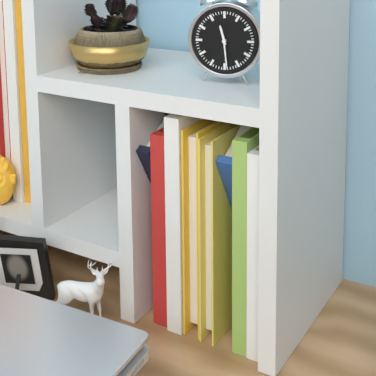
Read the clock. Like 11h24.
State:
11h29
